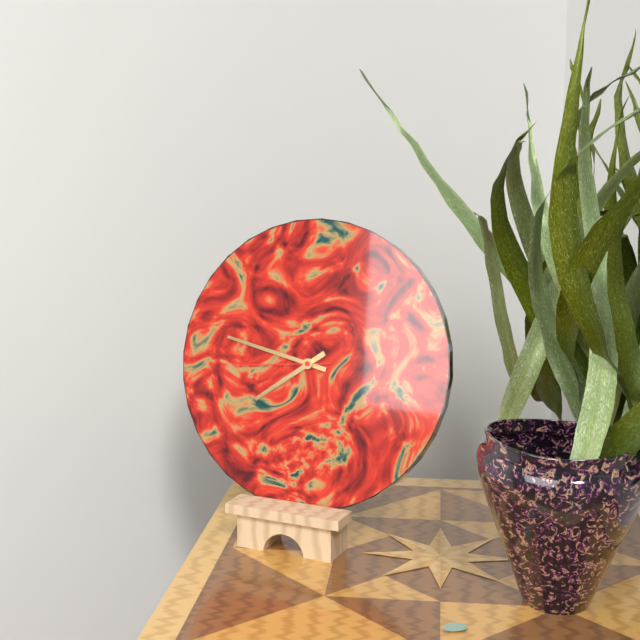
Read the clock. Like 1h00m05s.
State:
7h47m44s
